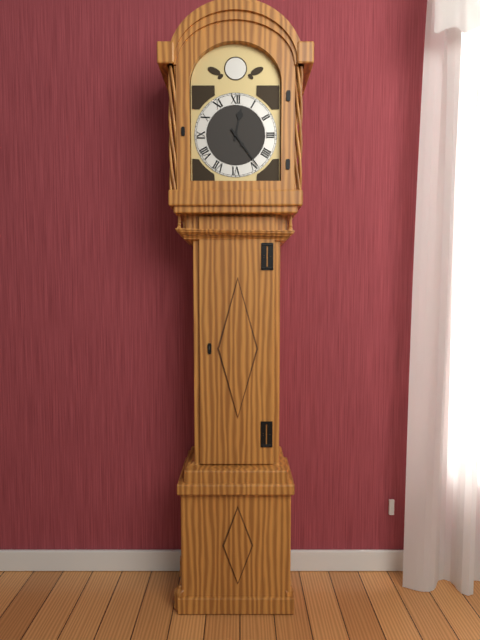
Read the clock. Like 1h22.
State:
12h24
